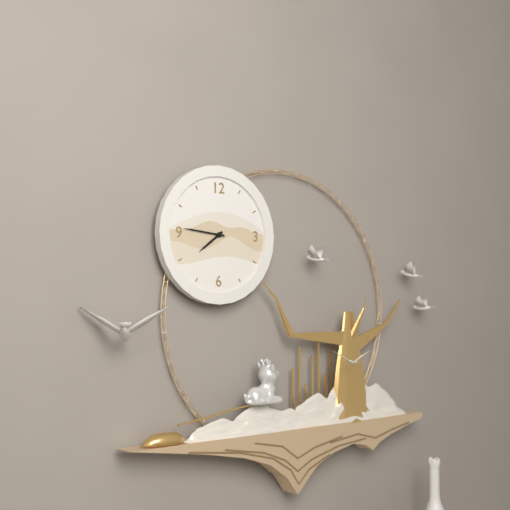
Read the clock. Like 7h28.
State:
7h46
